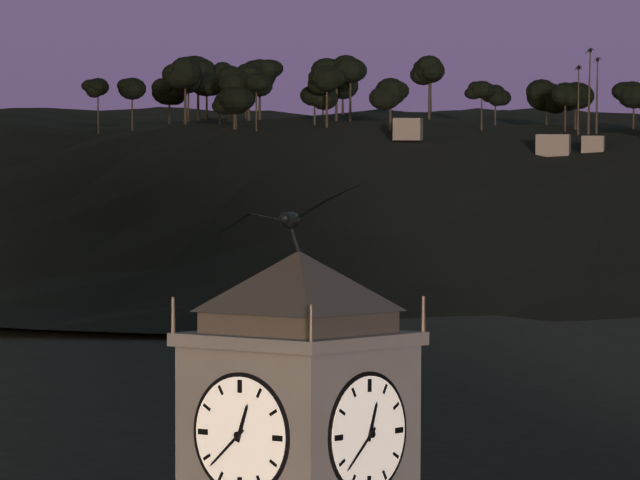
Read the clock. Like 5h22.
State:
12h38
